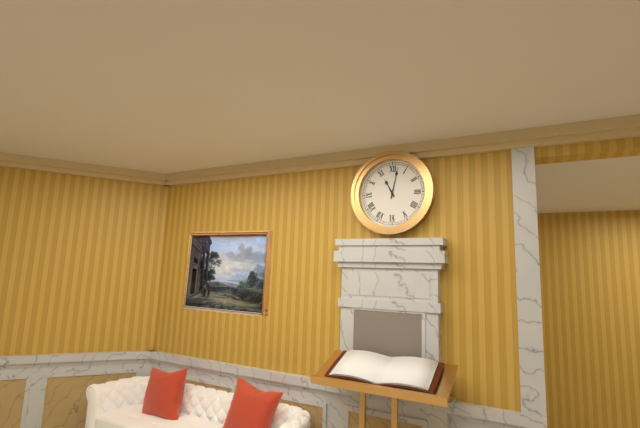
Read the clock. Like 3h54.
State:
11h02
